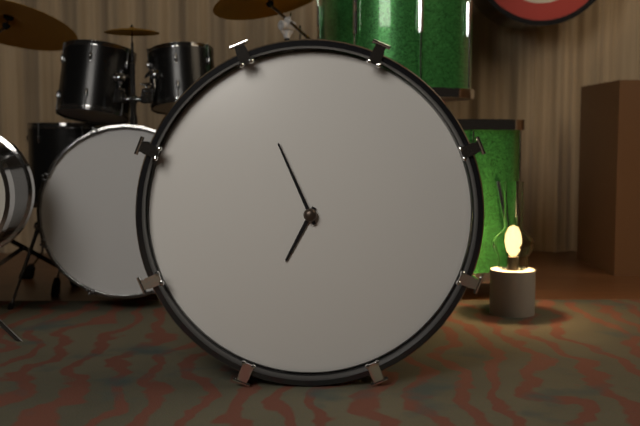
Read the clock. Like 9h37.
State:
6h56
